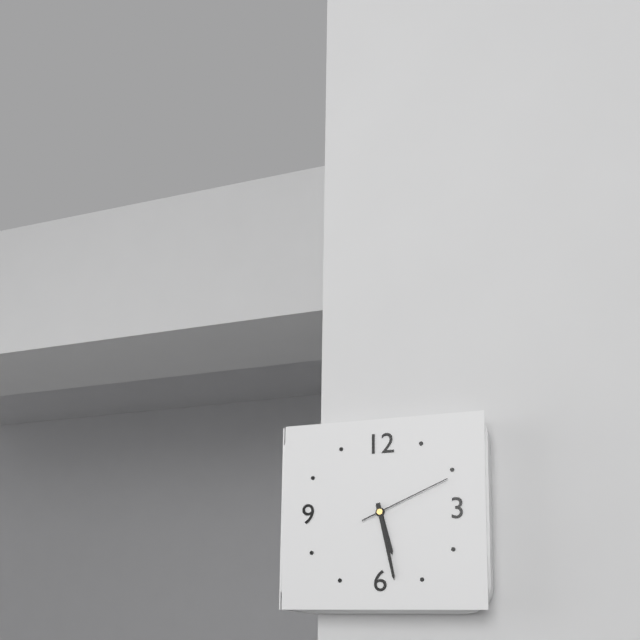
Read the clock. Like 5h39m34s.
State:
5h28m11s
